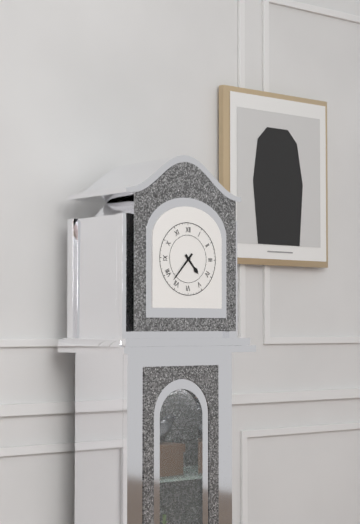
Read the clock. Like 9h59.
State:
4h37
